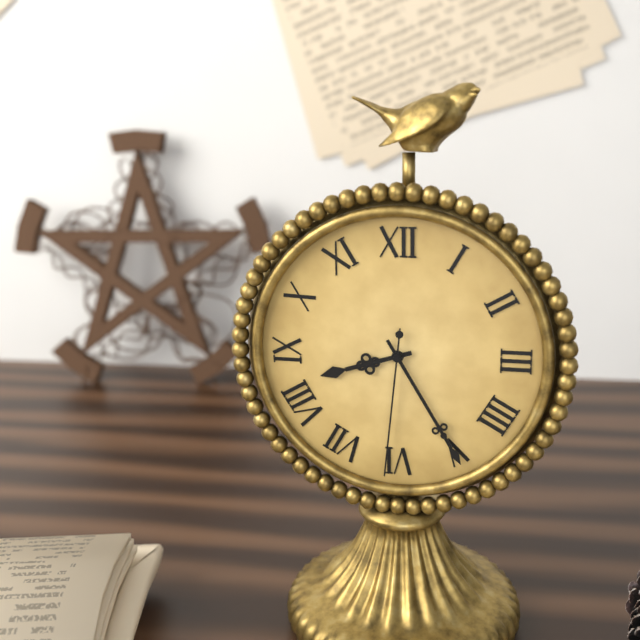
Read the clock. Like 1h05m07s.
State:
8h25m31s
